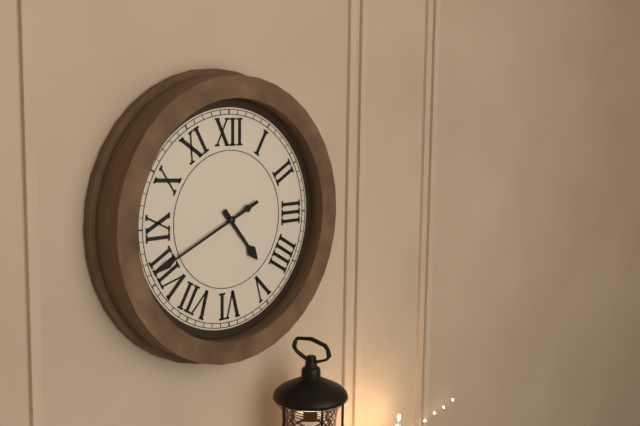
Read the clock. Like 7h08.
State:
4h41
